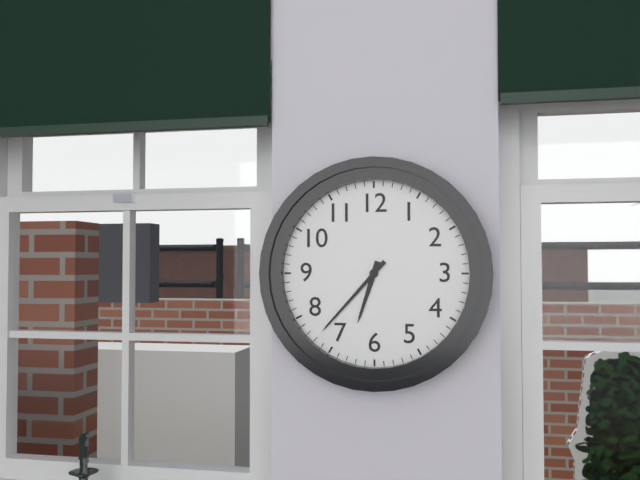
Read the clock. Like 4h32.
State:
6h37
